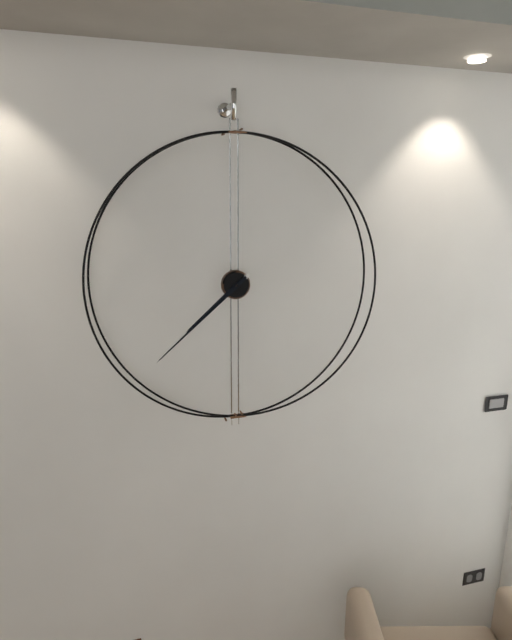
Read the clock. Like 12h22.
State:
7h38
